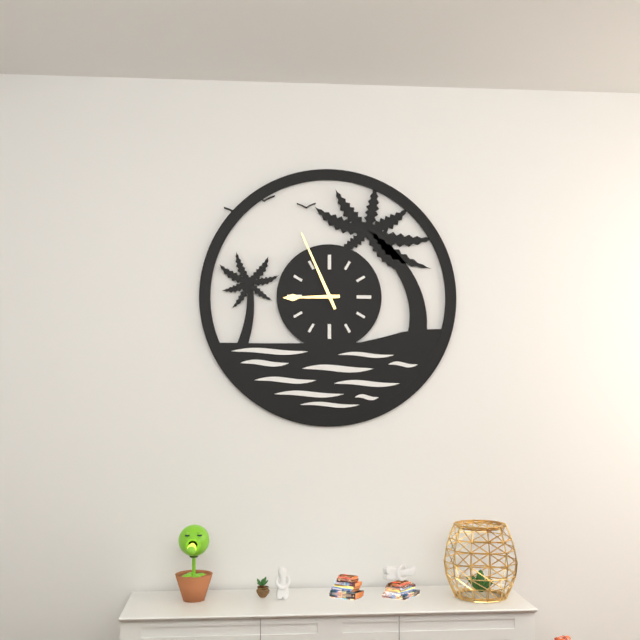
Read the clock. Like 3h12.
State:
8h56
